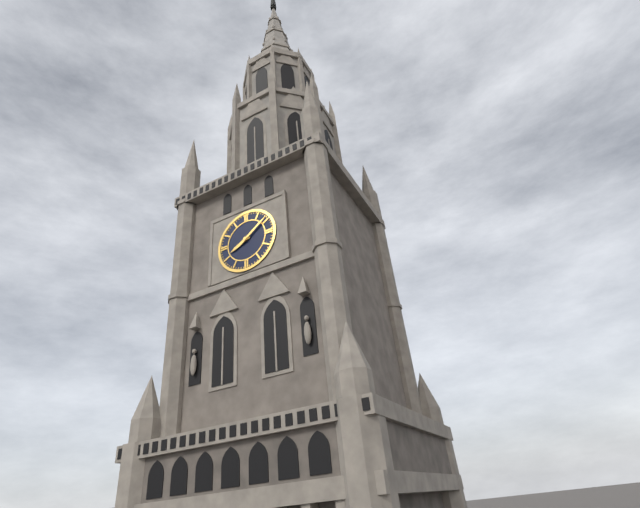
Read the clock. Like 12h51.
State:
8h09
